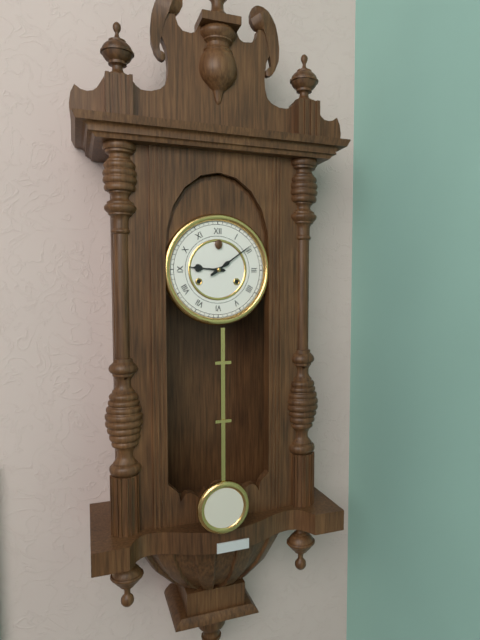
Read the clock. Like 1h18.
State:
9h09
